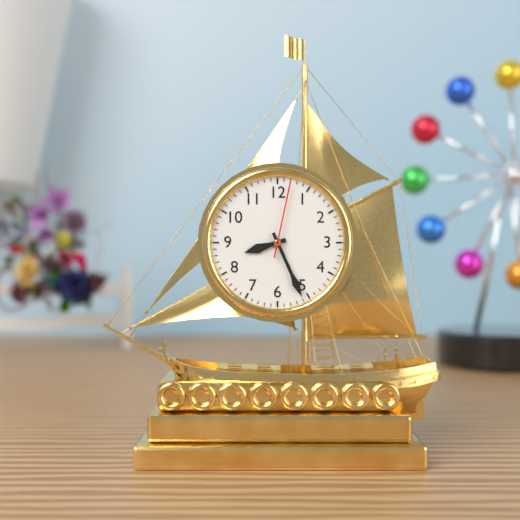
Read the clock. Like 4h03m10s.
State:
8h26m02s
